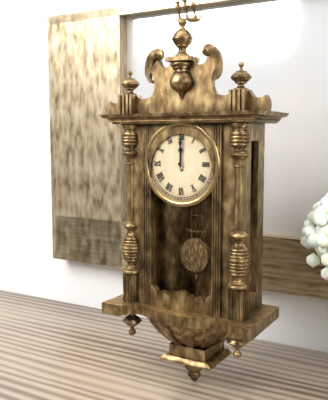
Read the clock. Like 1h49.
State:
12h00
